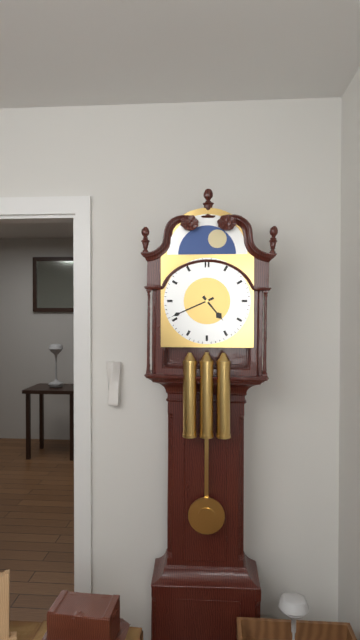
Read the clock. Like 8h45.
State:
4h41
